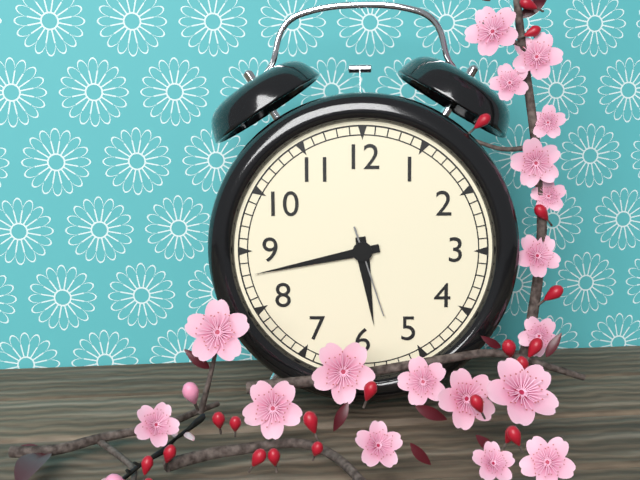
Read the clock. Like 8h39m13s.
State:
5h43m27s
